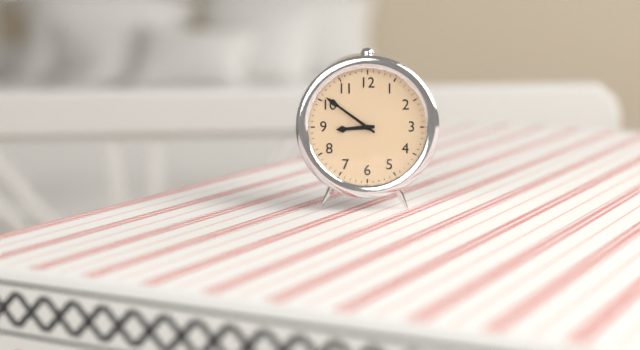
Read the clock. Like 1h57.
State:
8h51
